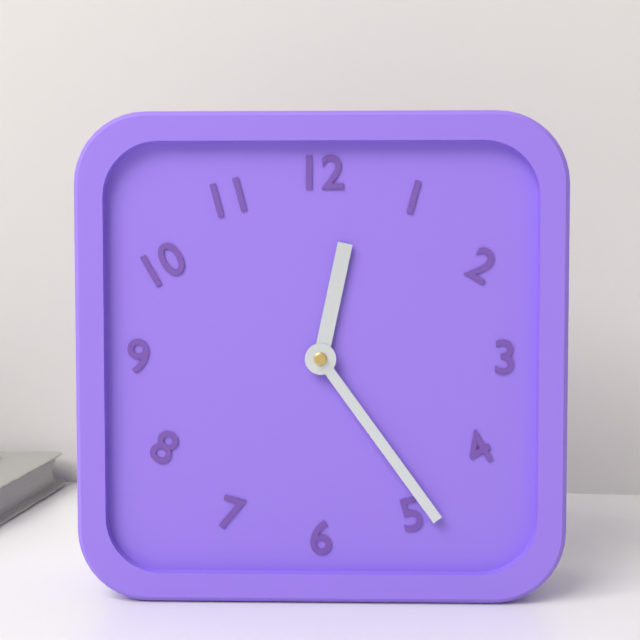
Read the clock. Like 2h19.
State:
12h24
